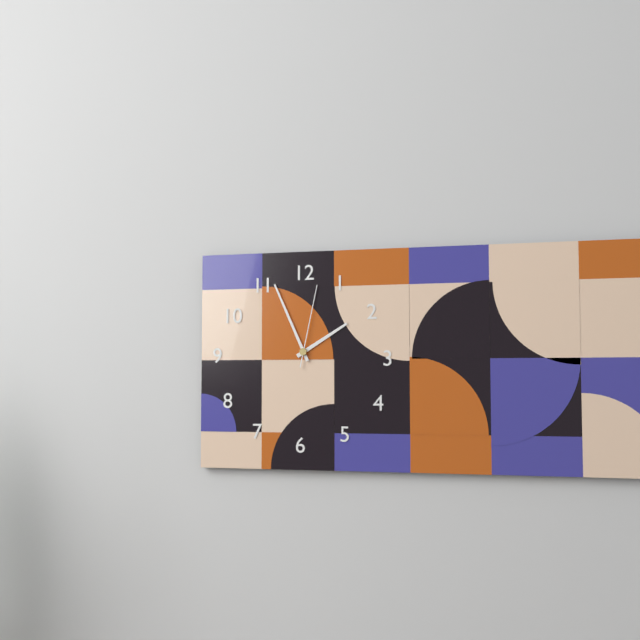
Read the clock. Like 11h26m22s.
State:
1h56m02s
